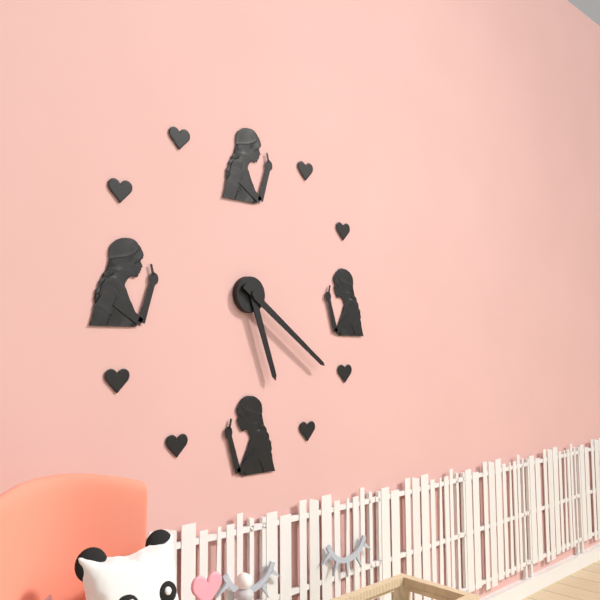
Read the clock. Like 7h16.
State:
5h21
